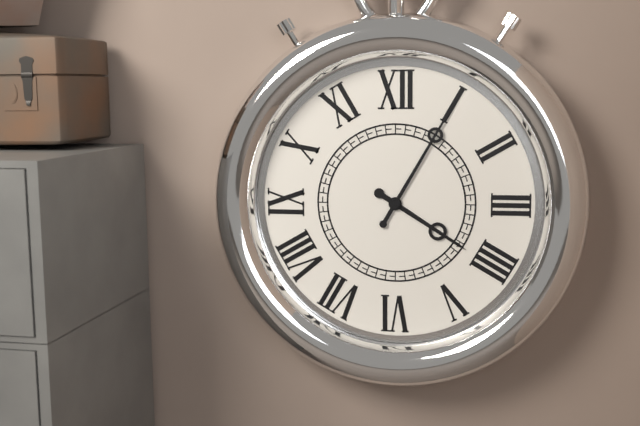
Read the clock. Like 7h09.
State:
4h05
